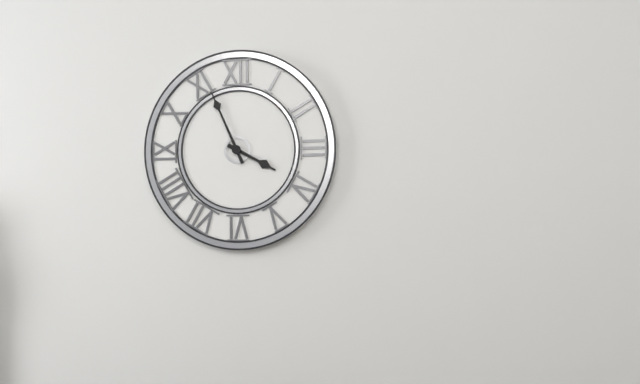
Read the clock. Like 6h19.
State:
3h56
